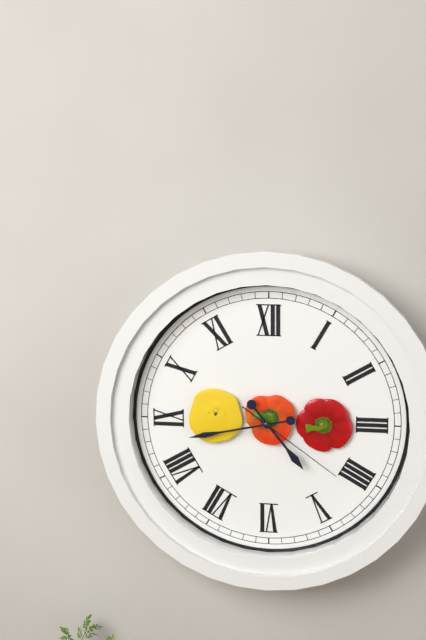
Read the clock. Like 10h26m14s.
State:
4h43m21s
